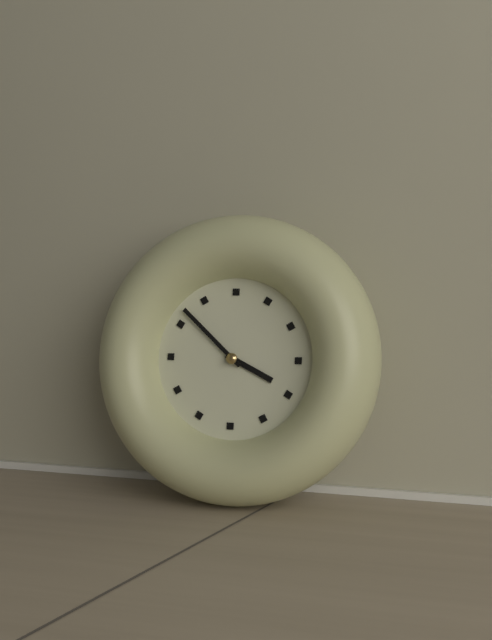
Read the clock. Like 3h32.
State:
3h52
